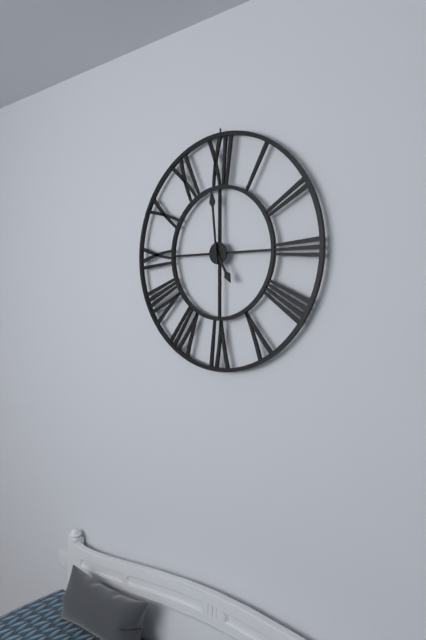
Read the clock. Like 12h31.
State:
4h59
